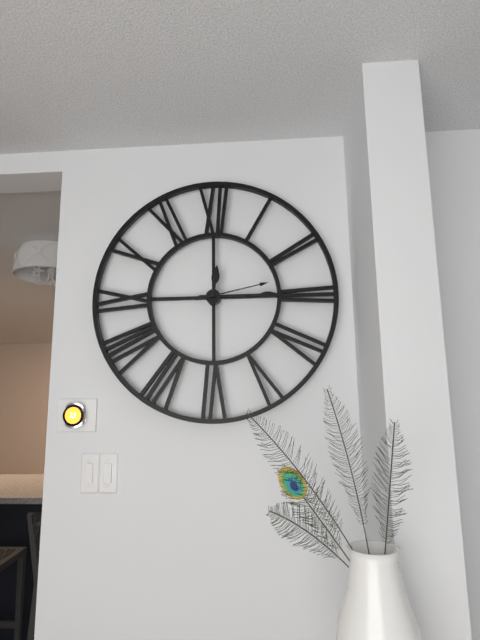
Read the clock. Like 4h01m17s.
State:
12h15m13s
